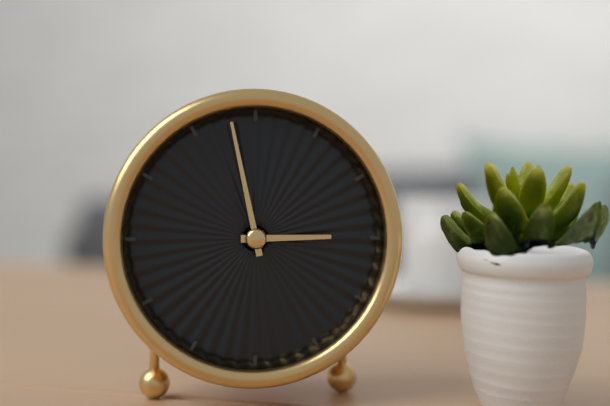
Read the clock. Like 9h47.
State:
2h58
